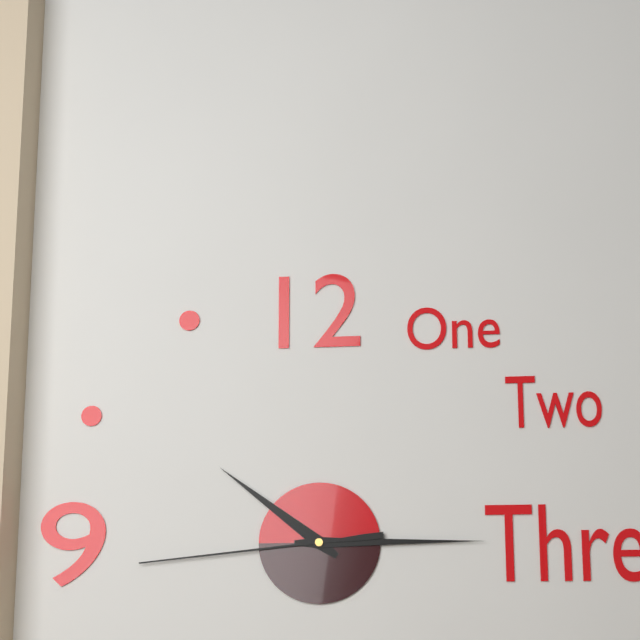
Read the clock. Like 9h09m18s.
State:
10h15m44s
